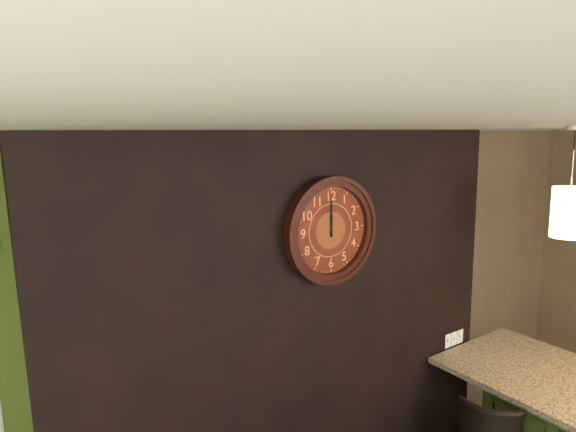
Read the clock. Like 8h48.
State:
12h00
